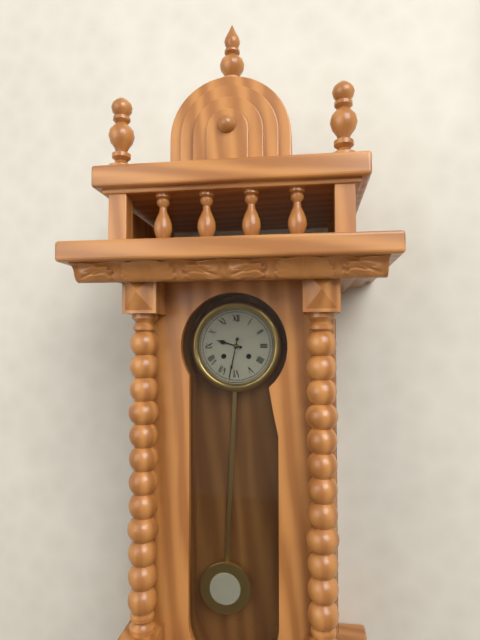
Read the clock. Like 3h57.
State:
9h32
